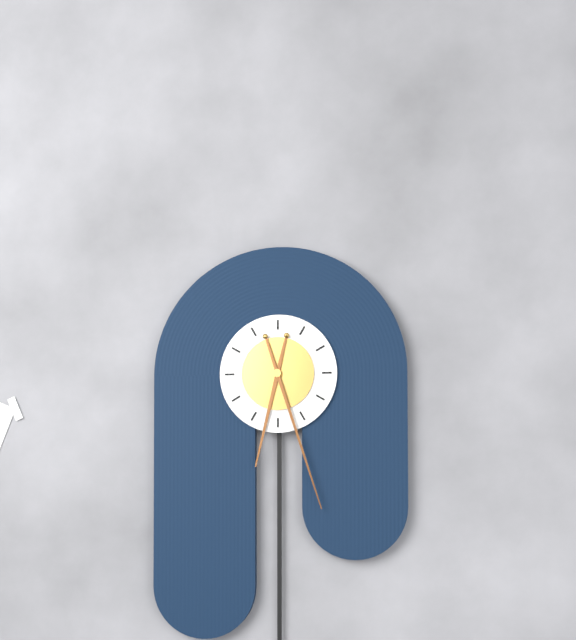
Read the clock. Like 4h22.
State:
6h27
